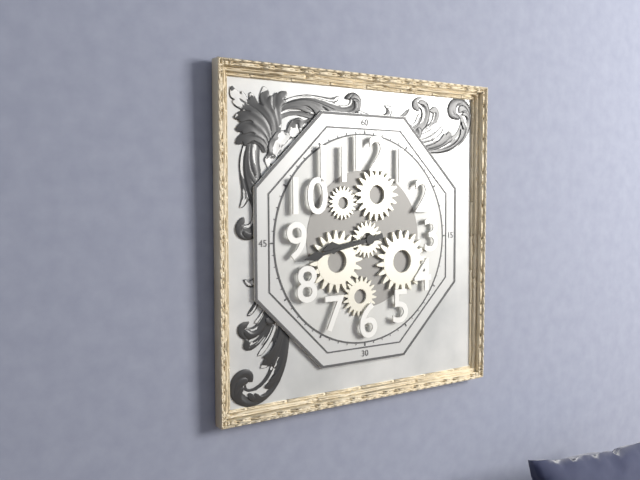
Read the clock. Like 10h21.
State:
8h43
